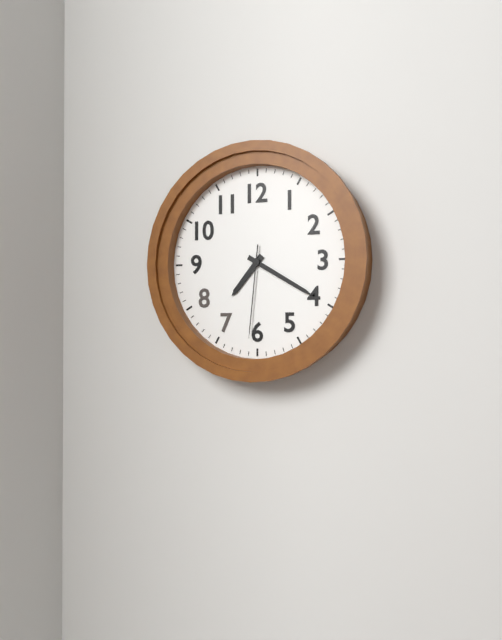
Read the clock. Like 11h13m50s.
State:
7h20m31s
